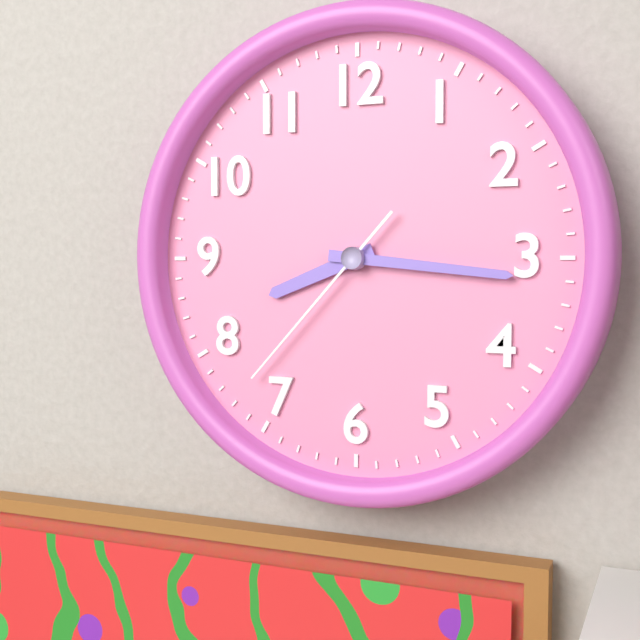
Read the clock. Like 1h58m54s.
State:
8h16m37s
